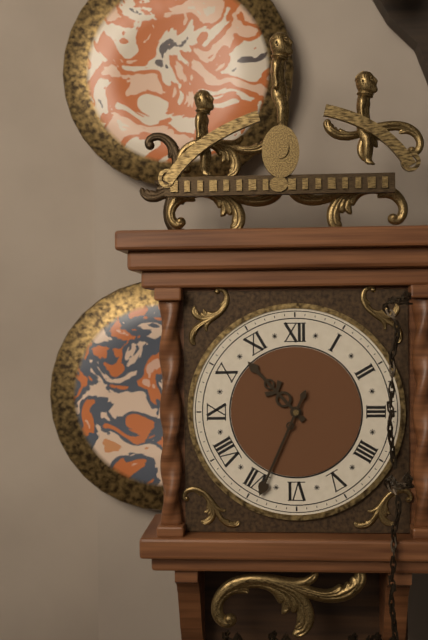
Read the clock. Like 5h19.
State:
10h34
